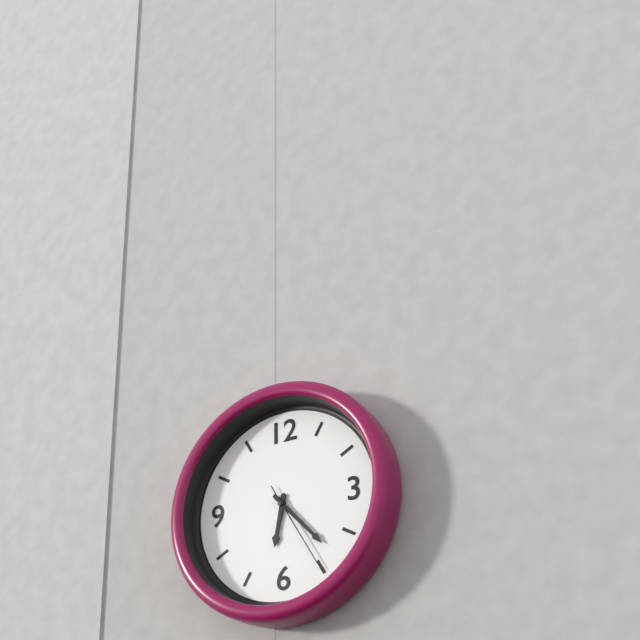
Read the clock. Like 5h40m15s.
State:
6h23m25s
